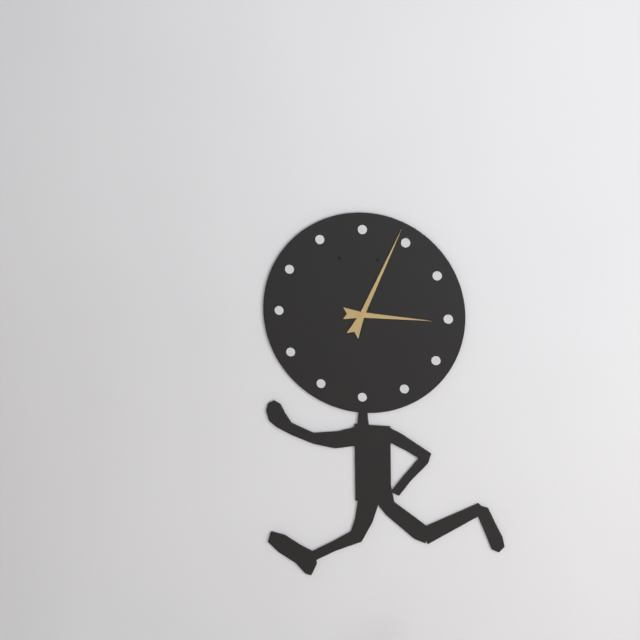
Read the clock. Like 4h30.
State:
3h04
